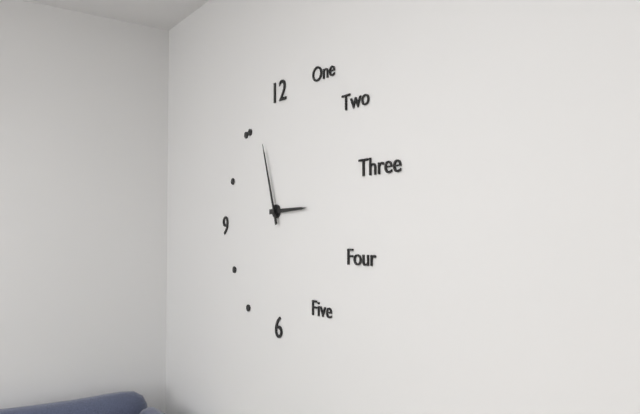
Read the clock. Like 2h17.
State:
2h57
